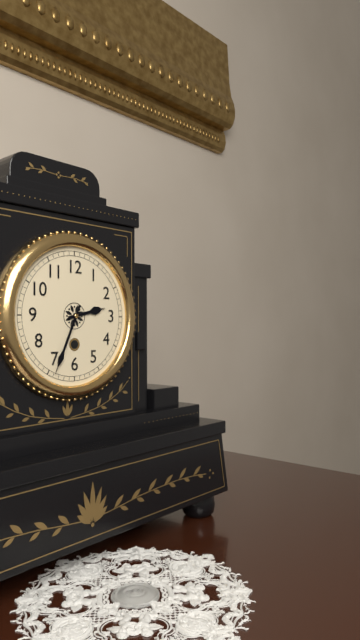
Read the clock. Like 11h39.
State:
2h34
